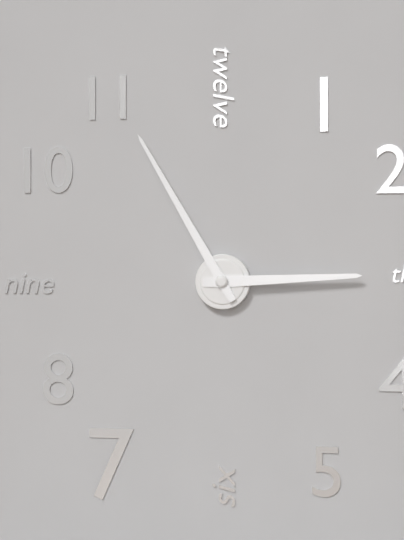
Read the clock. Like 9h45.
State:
2h55
